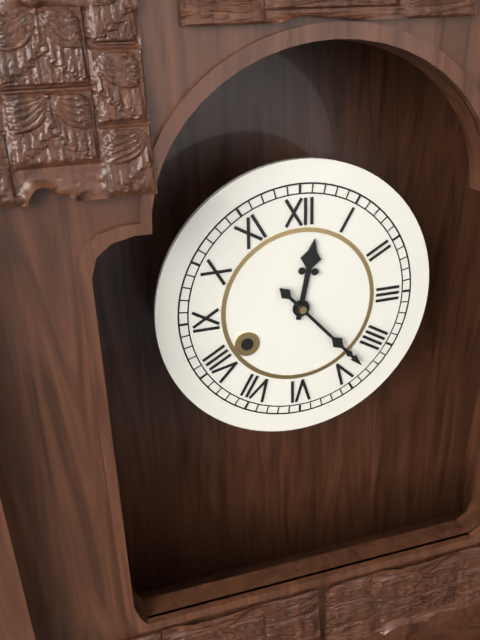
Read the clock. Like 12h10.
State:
12h23
